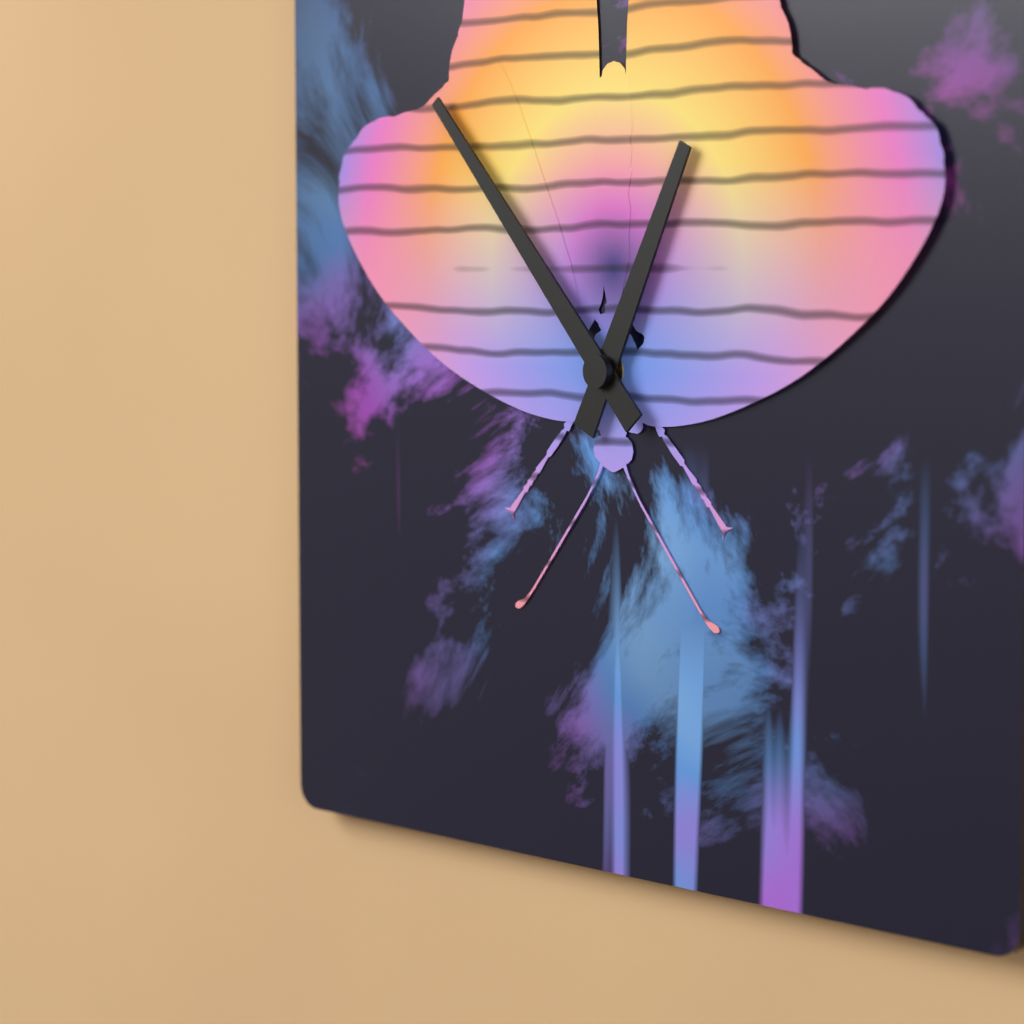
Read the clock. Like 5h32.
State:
12h53
